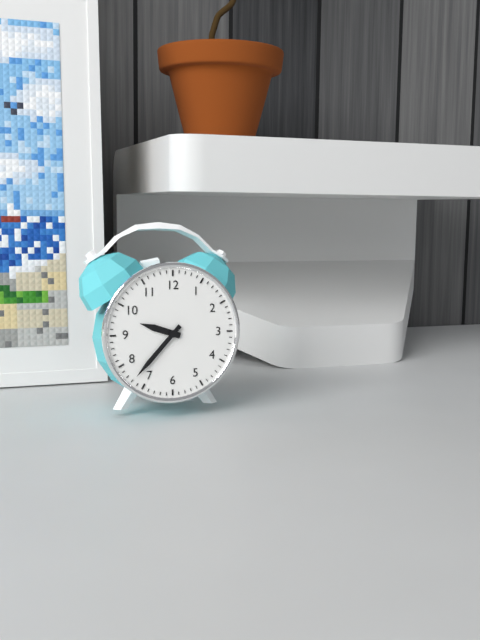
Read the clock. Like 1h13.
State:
9h37
